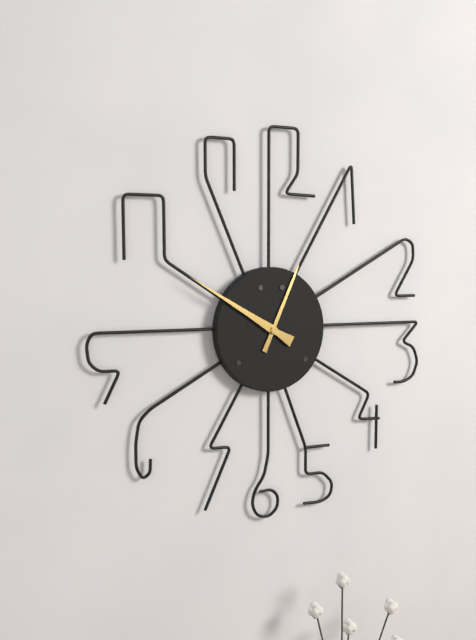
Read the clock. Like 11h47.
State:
12h50
